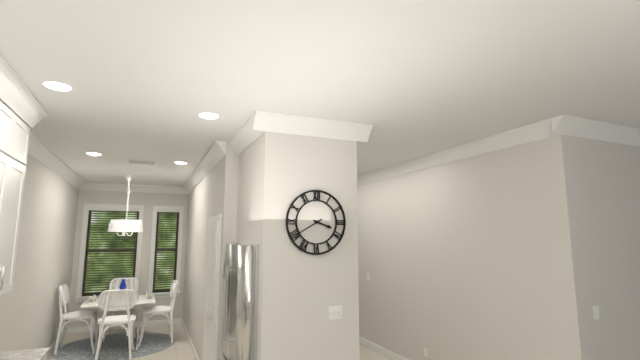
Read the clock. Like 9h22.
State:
3h40
